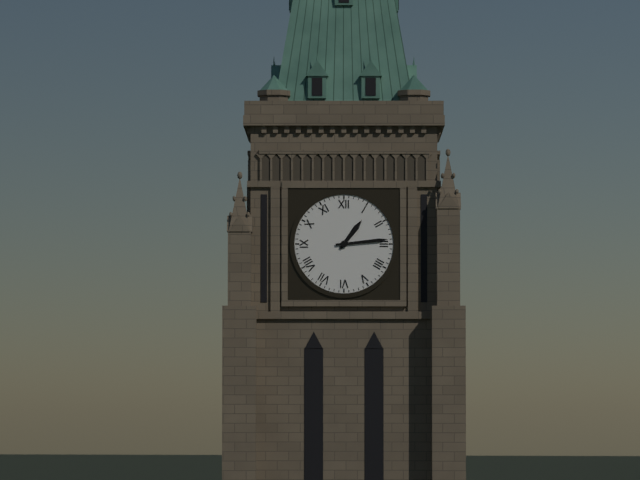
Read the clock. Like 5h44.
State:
1h14
